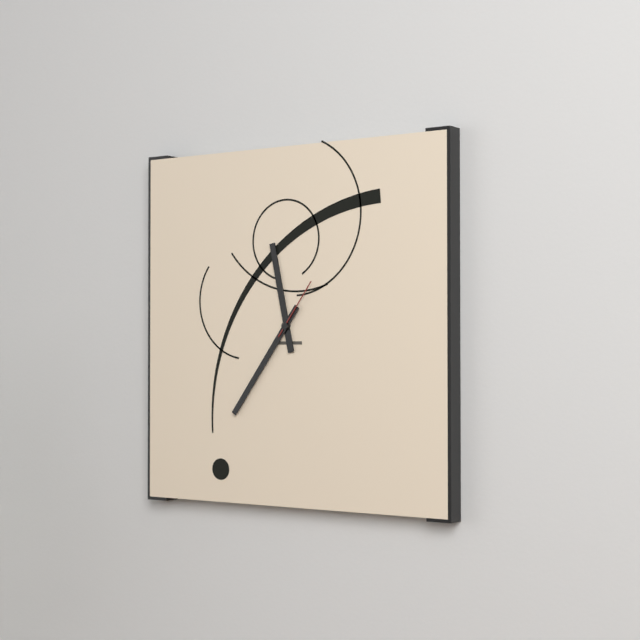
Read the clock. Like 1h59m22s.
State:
11h36m06s
